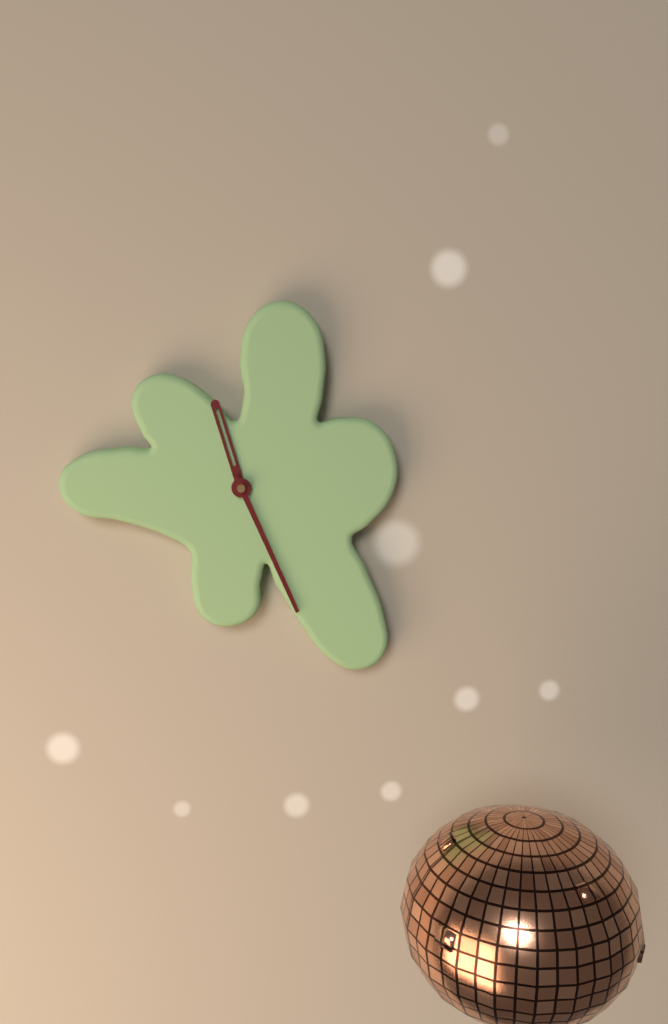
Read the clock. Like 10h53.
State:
11h26
